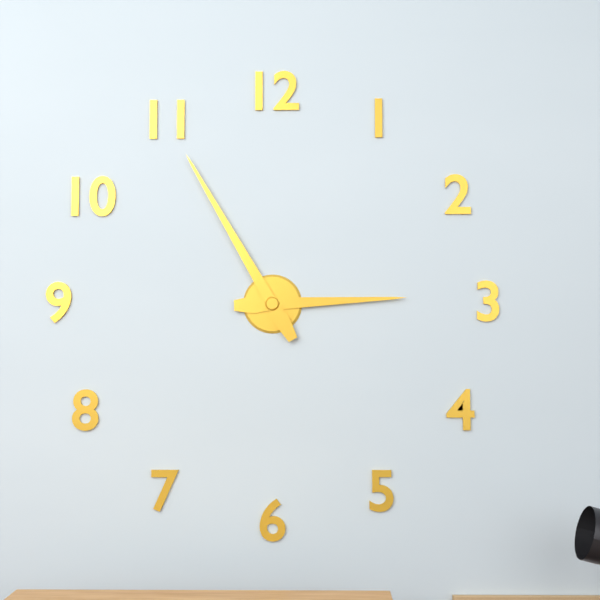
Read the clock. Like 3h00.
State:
2h55
